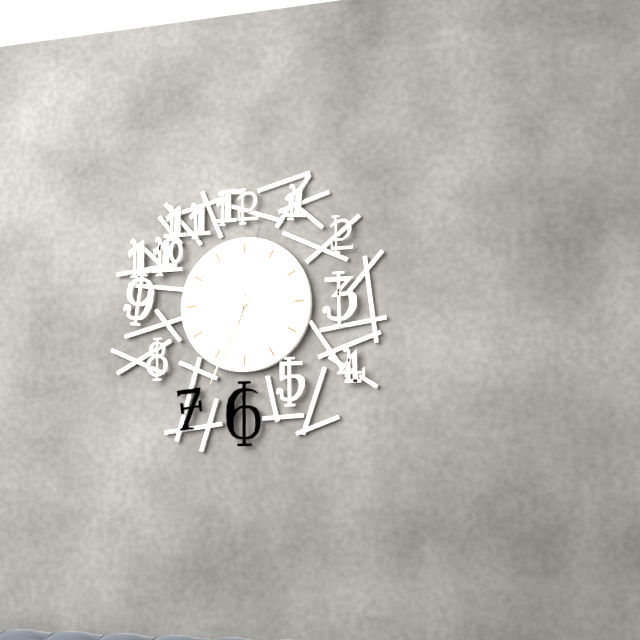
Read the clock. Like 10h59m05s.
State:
8h34m02s
